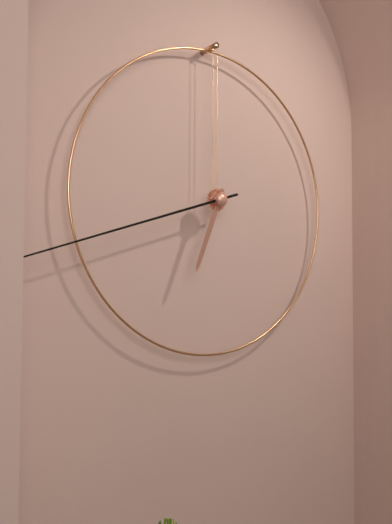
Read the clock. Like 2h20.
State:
6h42
